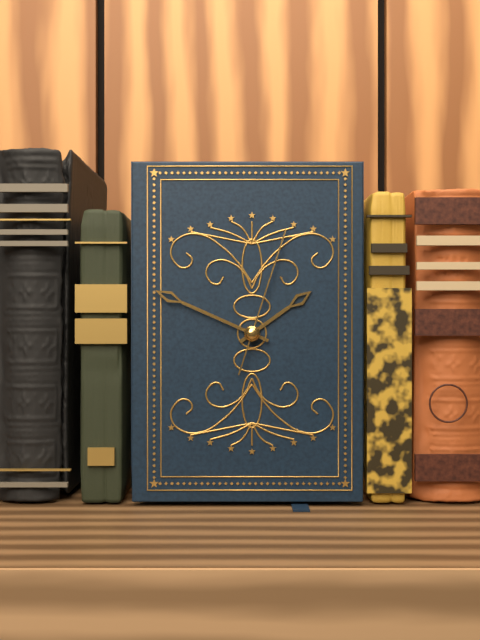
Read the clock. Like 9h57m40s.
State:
1h49m03s
